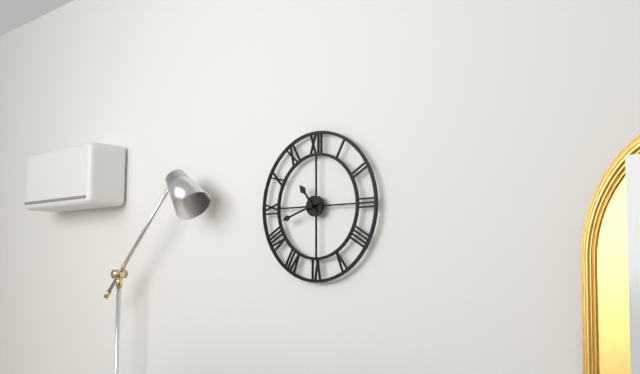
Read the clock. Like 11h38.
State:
10h42
